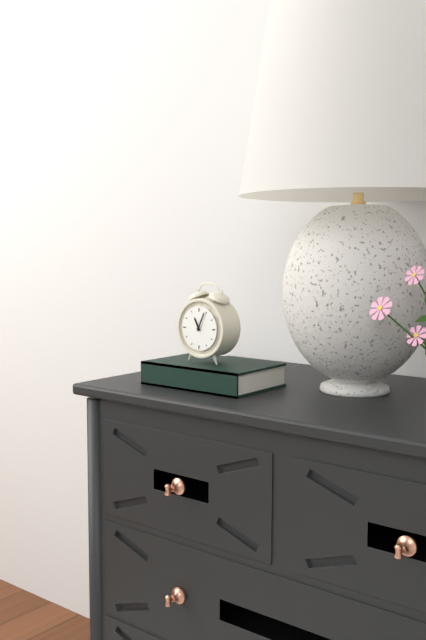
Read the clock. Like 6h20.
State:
11h04
